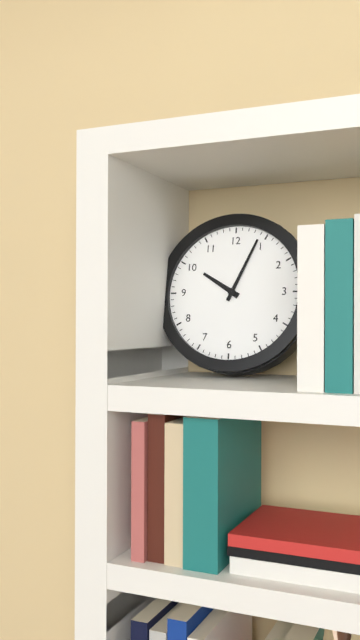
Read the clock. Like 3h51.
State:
10h04
